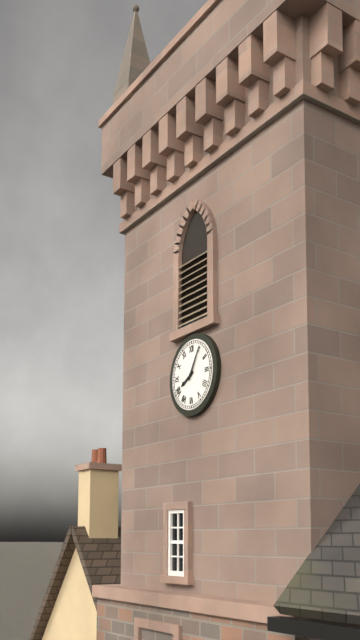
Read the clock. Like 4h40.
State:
8h05
